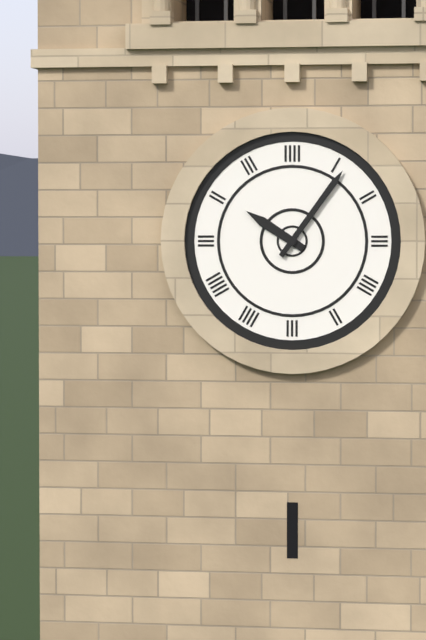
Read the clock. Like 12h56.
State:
10h06
